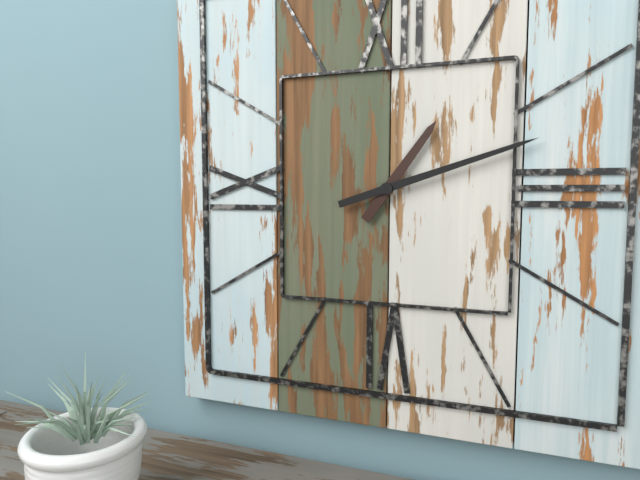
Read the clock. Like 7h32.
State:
1h12
